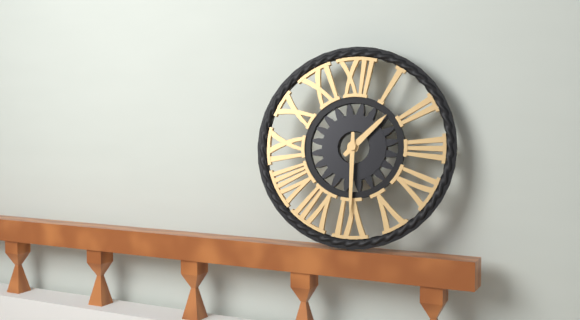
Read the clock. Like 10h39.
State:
1h30
